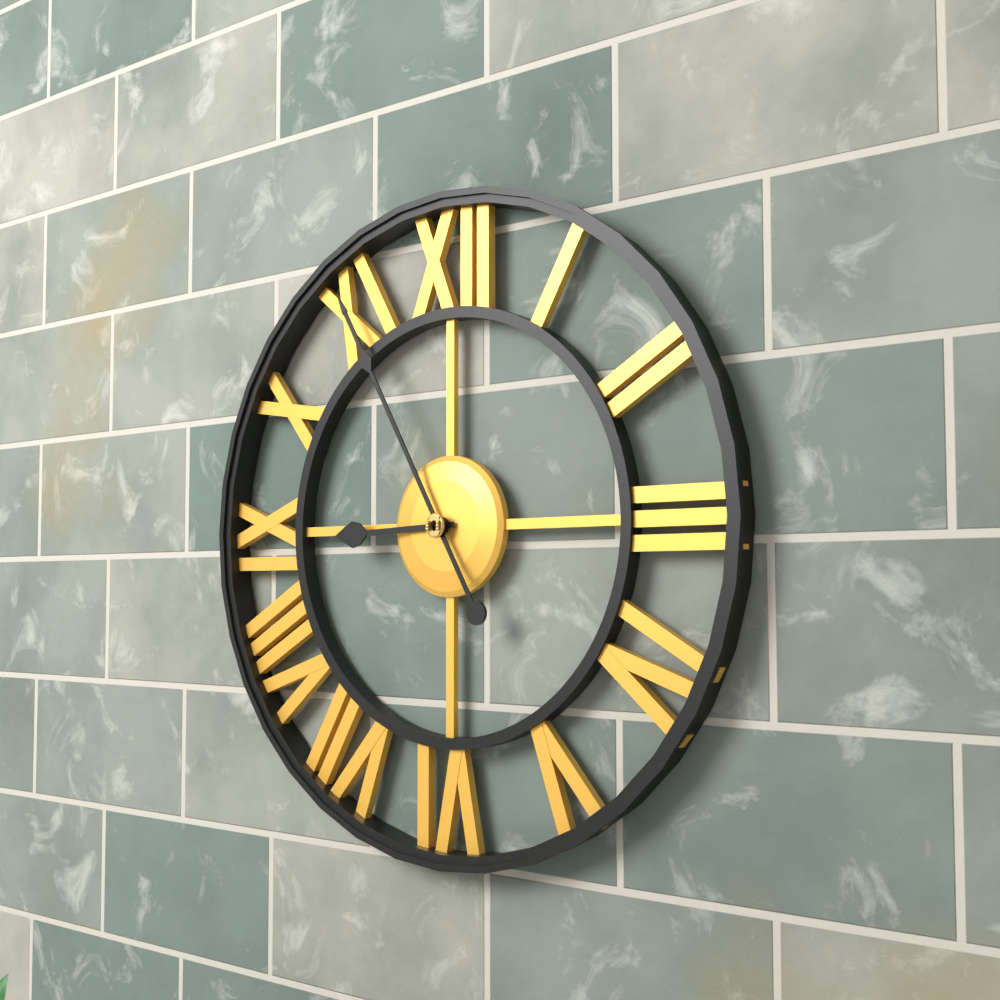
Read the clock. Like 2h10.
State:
8h55
